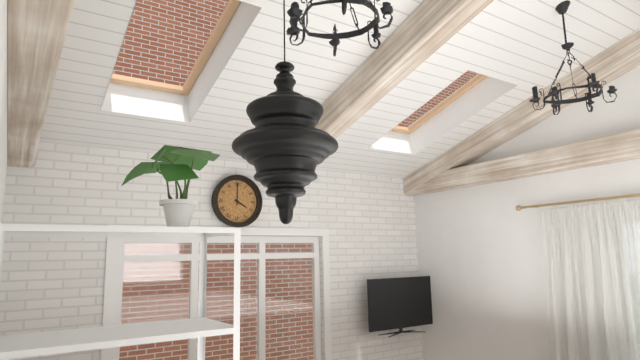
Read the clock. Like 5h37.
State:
4h00
